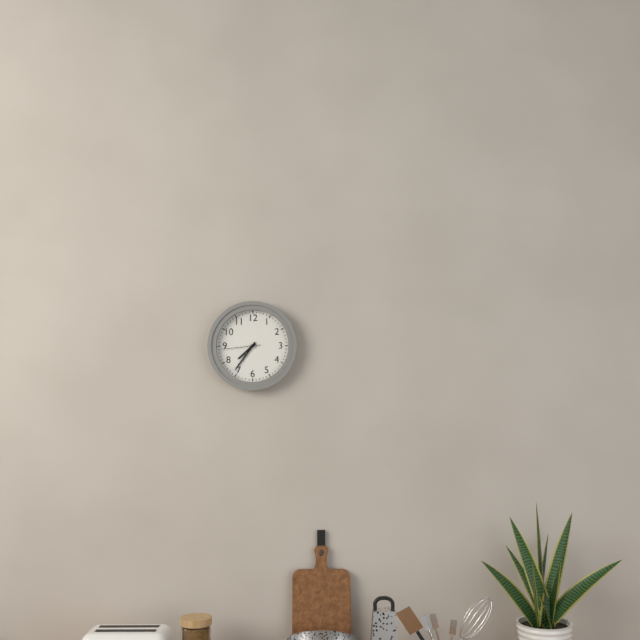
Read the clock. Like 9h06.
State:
7h36
